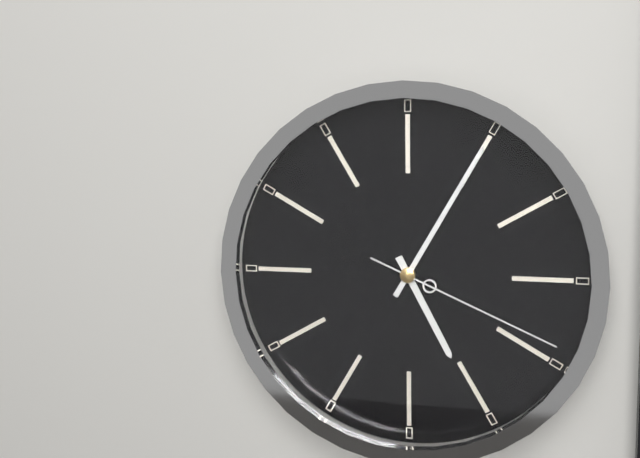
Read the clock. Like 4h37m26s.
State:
5h05m19s
